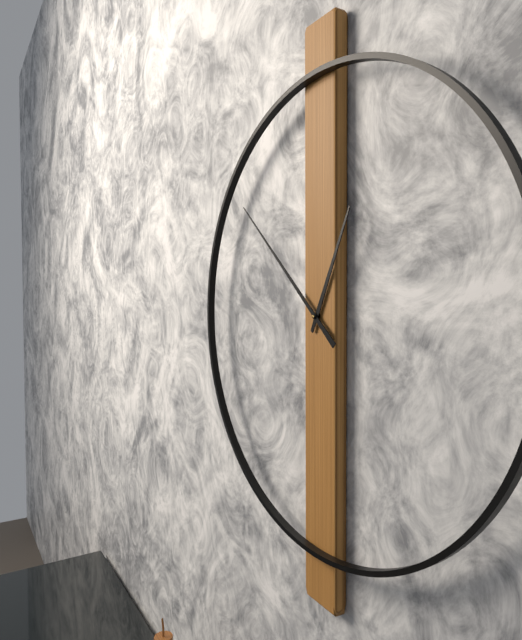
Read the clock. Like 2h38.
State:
12h52
